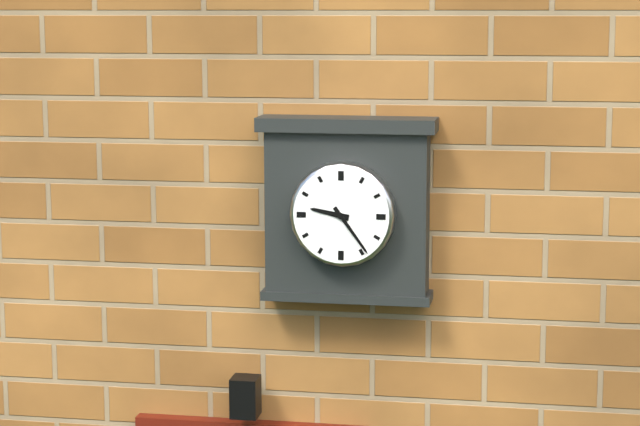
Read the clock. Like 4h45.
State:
9h24
